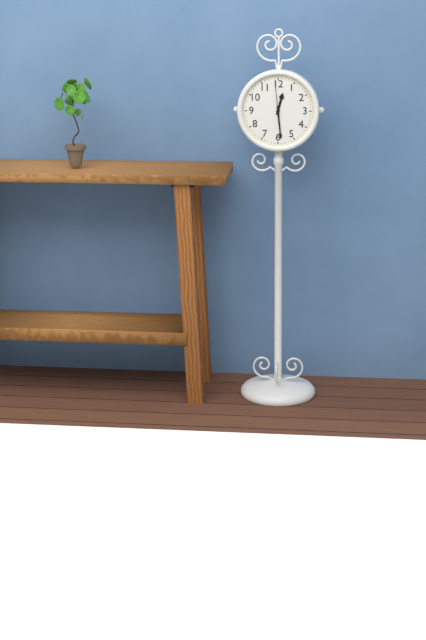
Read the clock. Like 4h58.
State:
12h29
